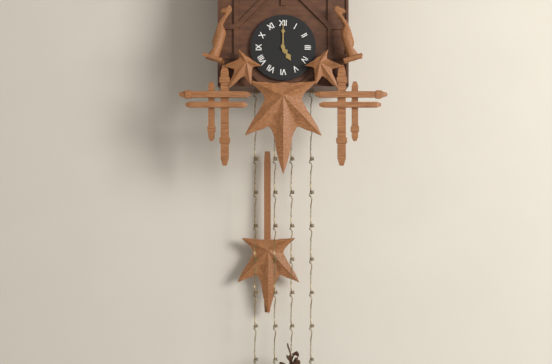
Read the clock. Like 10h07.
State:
5h00
